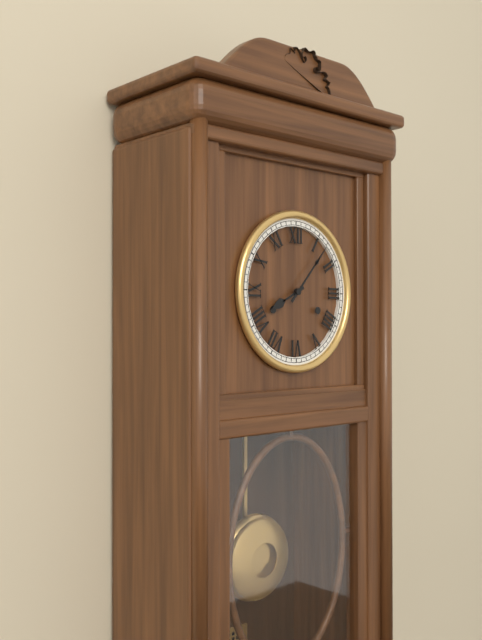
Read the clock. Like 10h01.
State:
8h07
